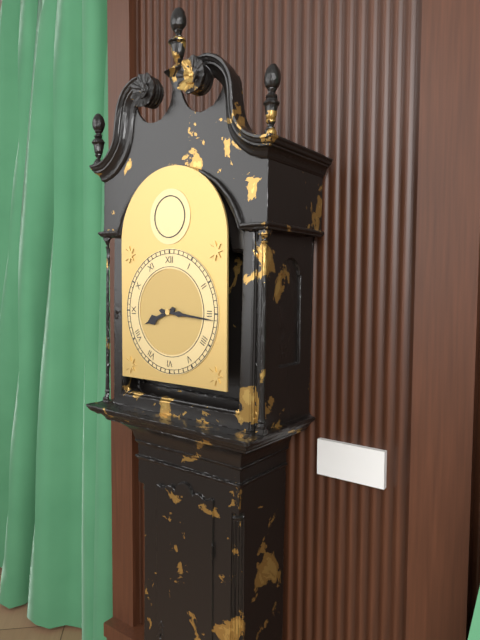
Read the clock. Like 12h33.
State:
8h16
